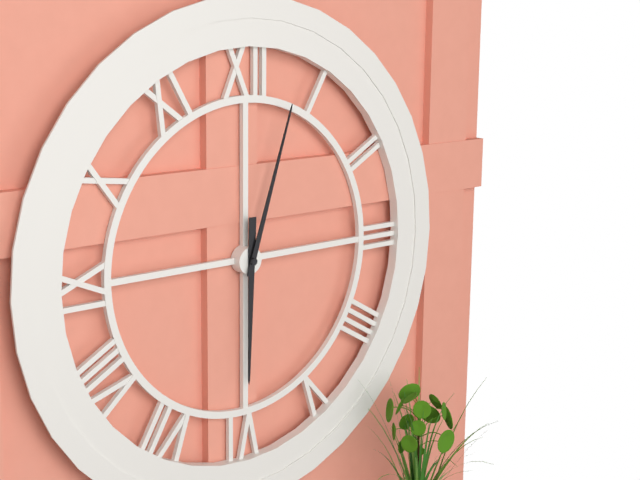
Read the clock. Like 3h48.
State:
6h03
